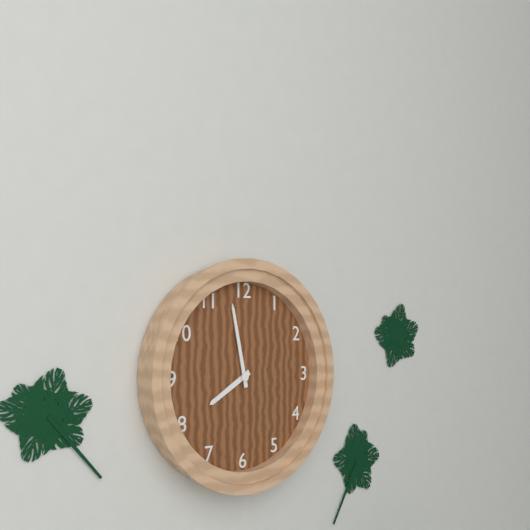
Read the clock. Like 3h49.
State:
7h58
